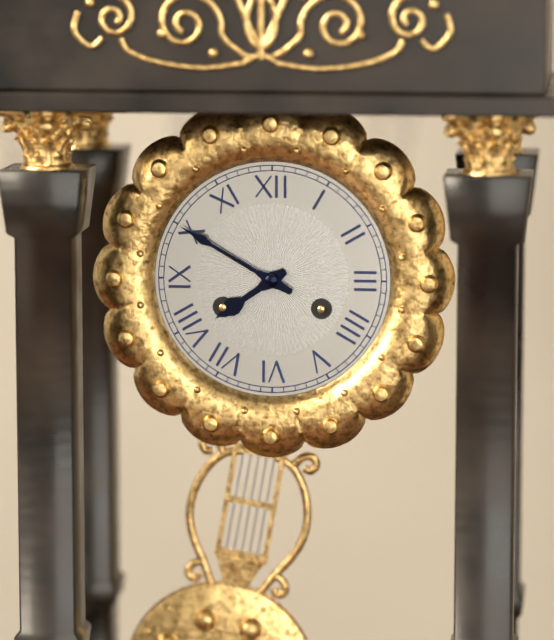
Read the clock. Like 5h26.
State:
7h50
